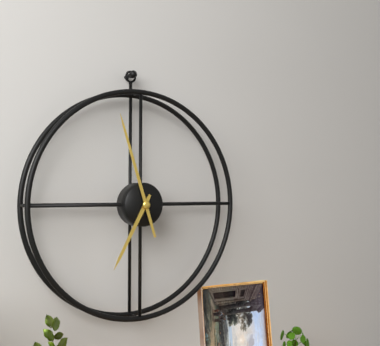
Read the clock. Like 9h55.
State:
6h57
